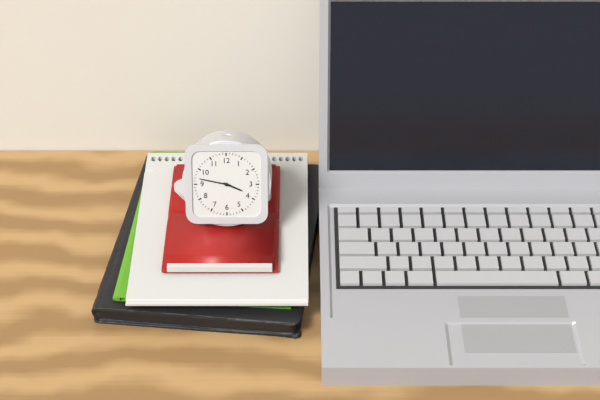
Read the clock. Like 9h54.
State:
3h47
